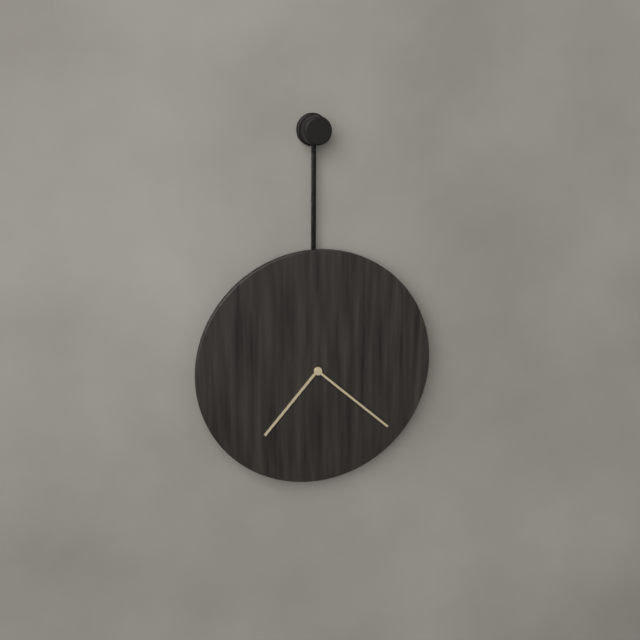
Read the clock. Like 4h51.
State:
7h22
